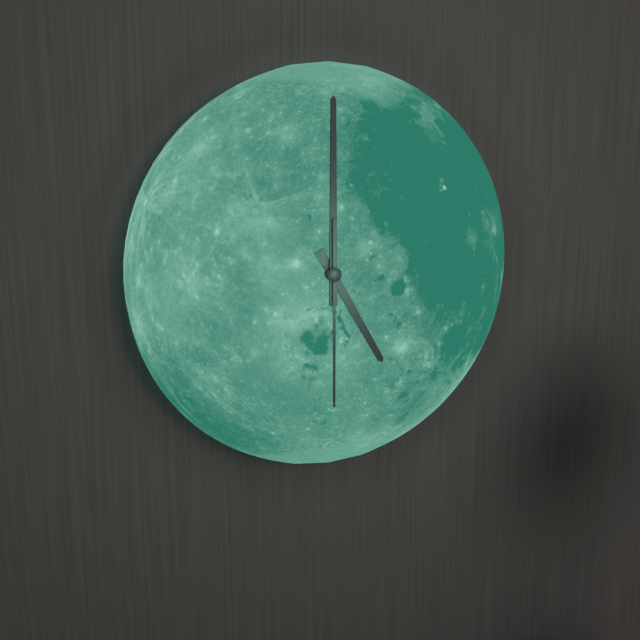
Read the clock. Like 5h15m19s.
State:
5h00m30s
